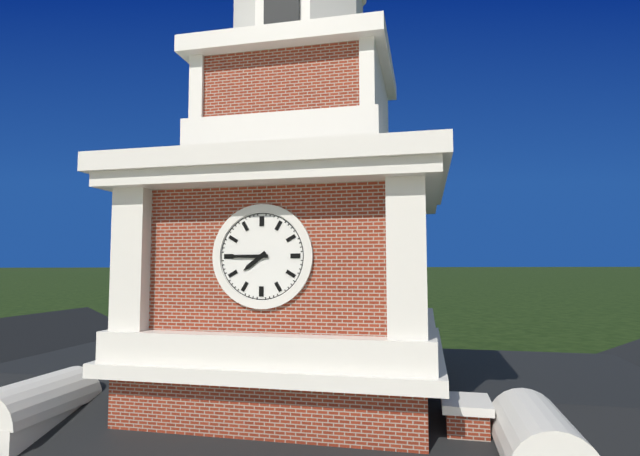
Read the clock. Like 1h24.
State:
7h45
